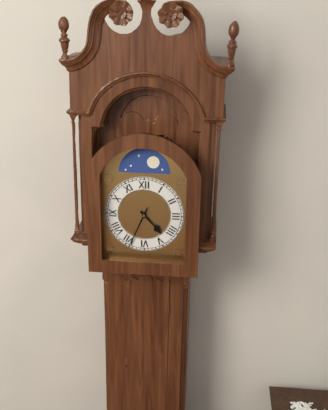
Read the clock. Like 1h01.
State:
4h34
